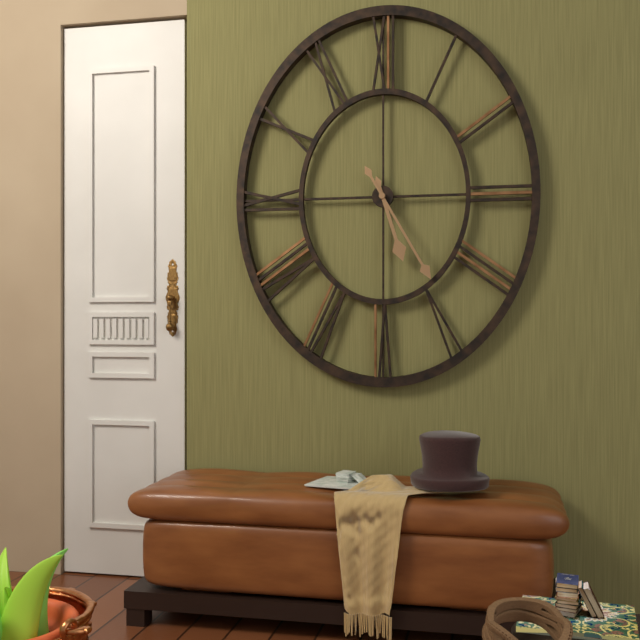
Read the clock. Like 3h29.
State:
5h25
